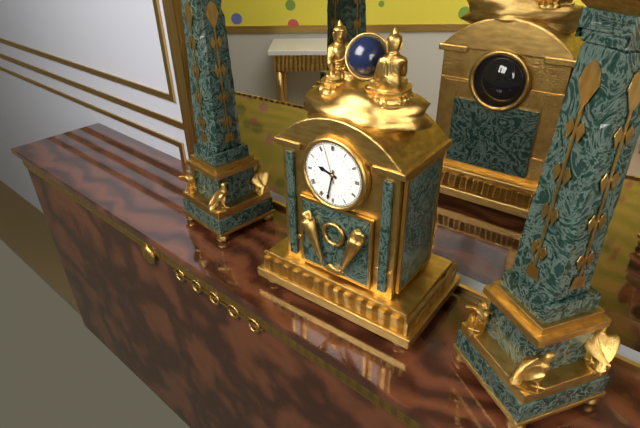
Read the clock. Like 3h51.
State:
9h32
